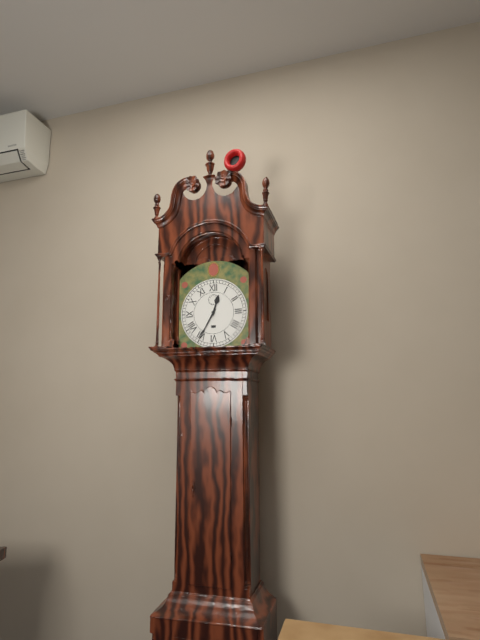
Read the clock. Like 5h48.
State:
12h35
